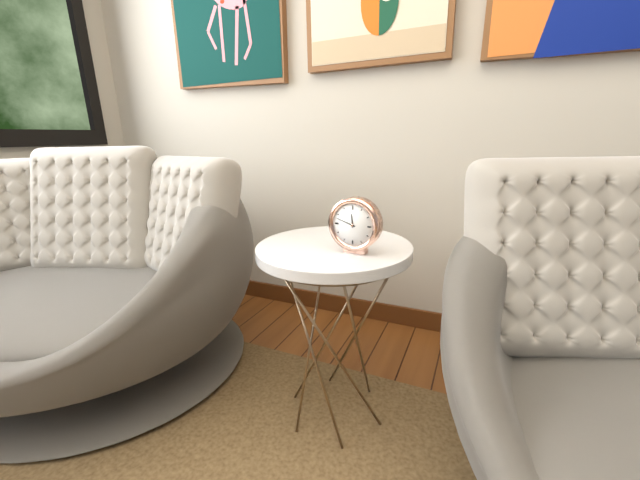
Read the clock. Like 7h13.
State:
11h48
